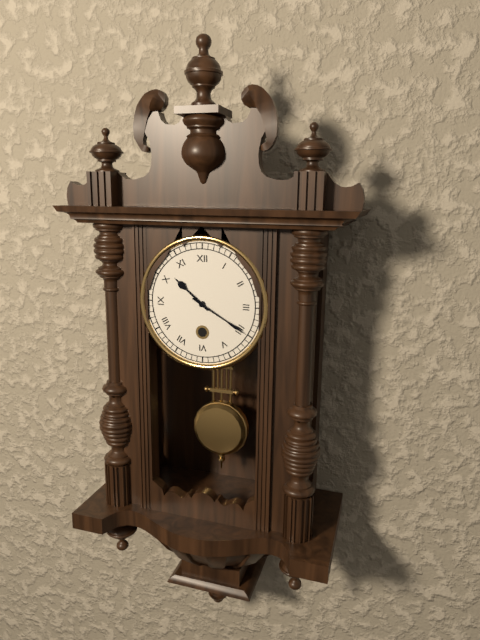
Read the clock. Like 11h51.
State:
10h20
